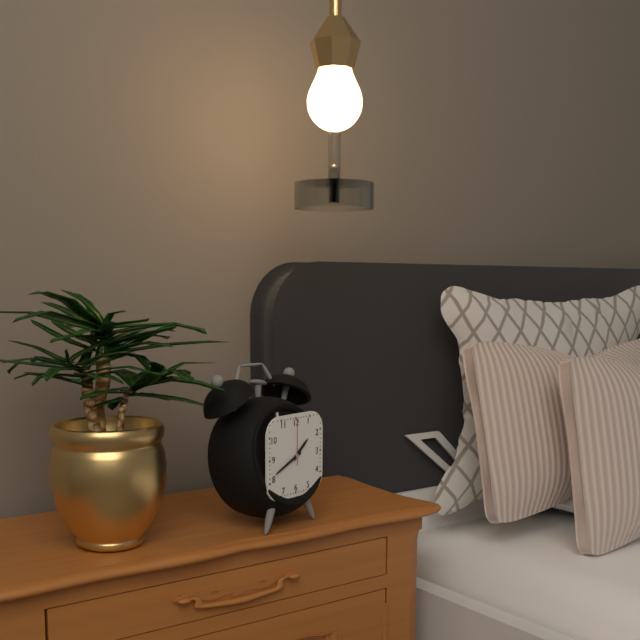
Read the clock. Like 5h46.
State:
1h41
